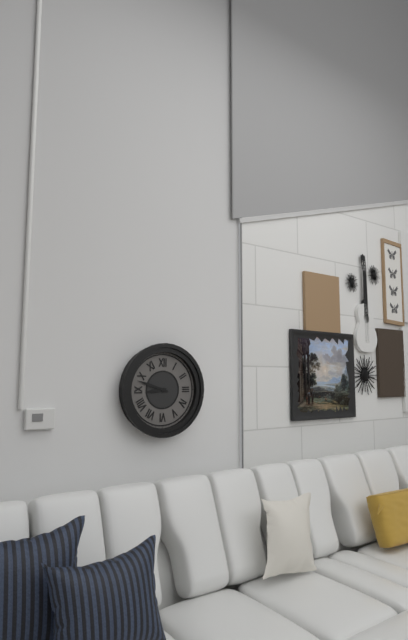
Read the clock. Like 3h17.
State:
8h48
